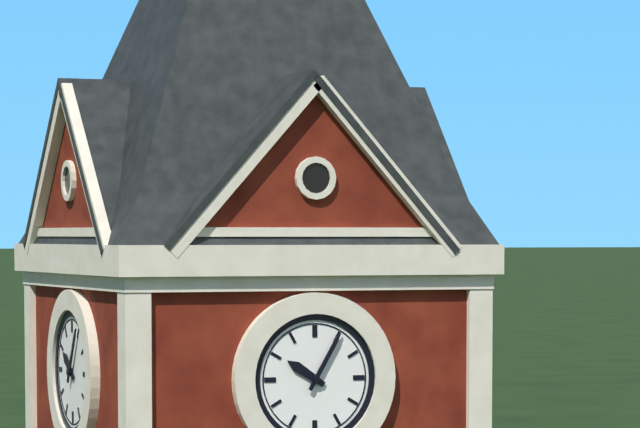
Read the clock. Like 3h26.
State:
10h05
